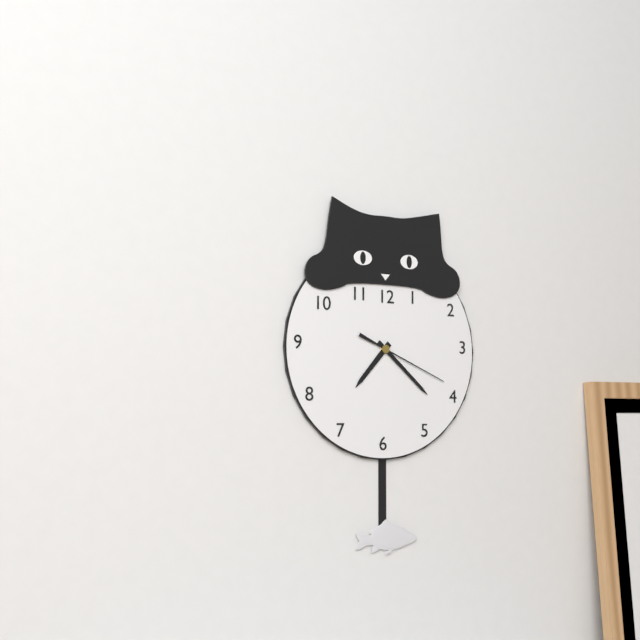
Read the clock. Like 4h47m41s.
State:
7h22m19s
